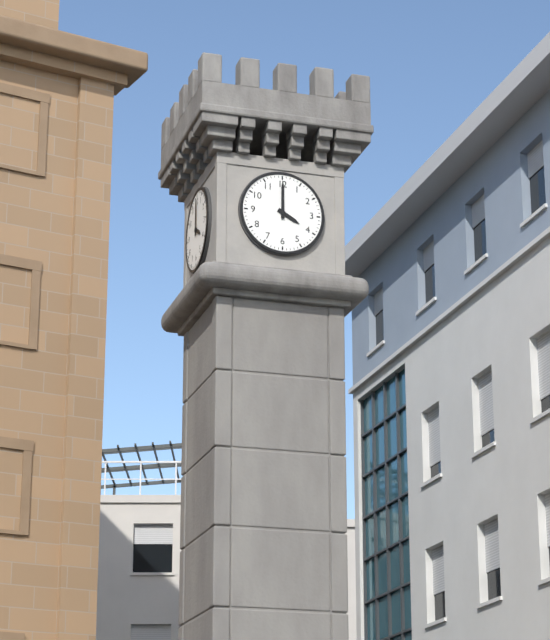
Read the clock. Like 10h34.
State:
4h00
